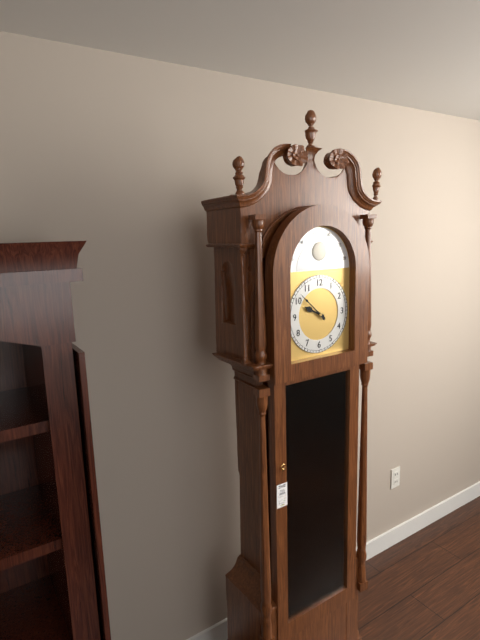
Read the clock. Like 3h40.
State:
9h52
